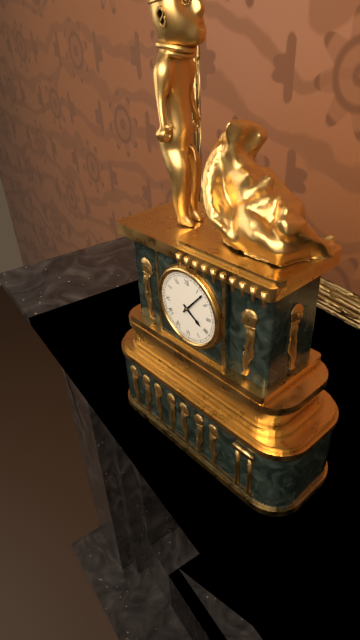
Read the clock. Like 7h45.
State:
4h07
